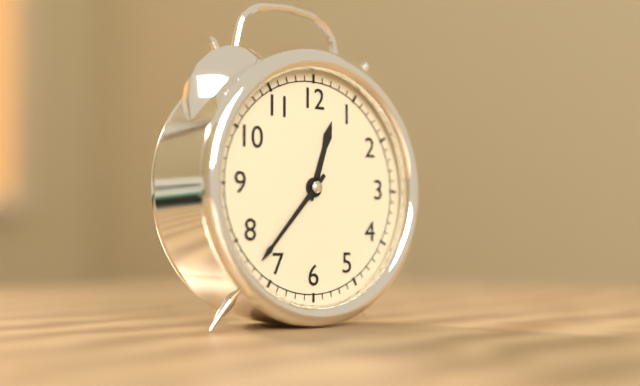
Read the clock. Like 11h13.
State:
12h37
